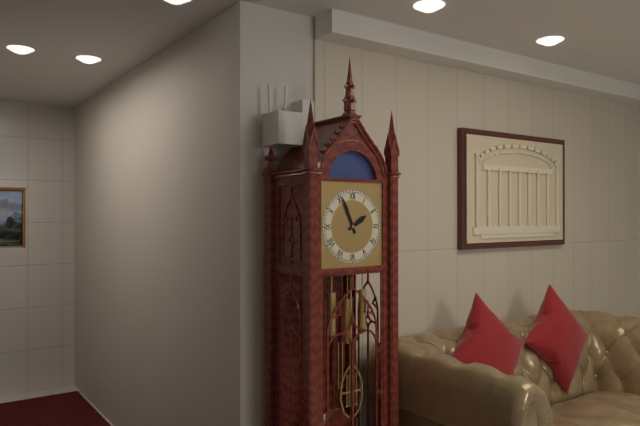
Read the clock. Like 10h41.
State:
1h56
